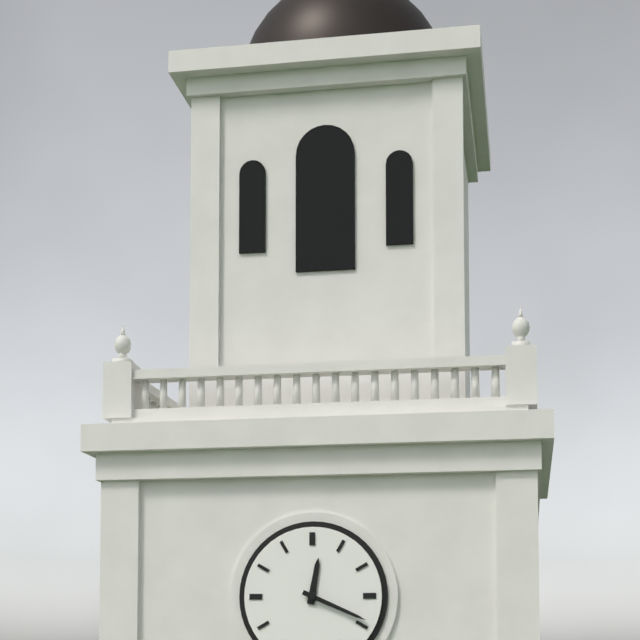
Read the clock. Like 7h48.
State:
12h19
